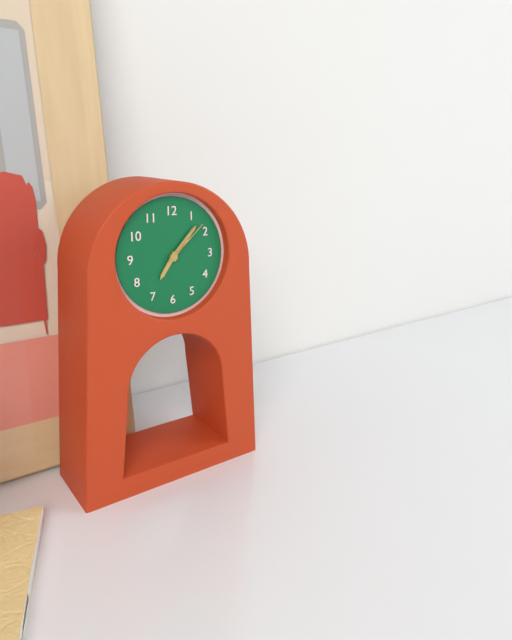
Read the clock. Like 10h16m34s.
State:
7h07m08s
